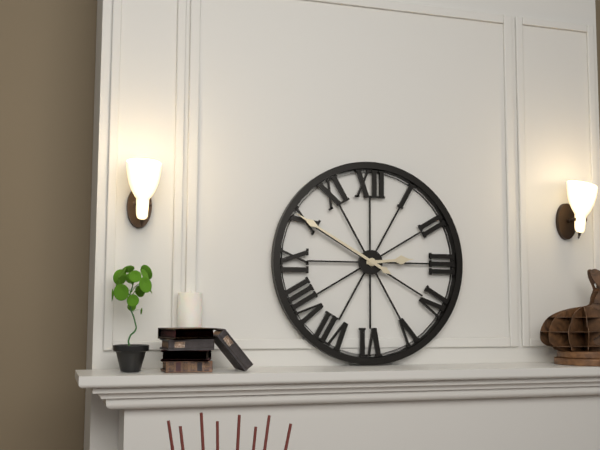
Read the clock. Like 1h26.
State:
2h50
